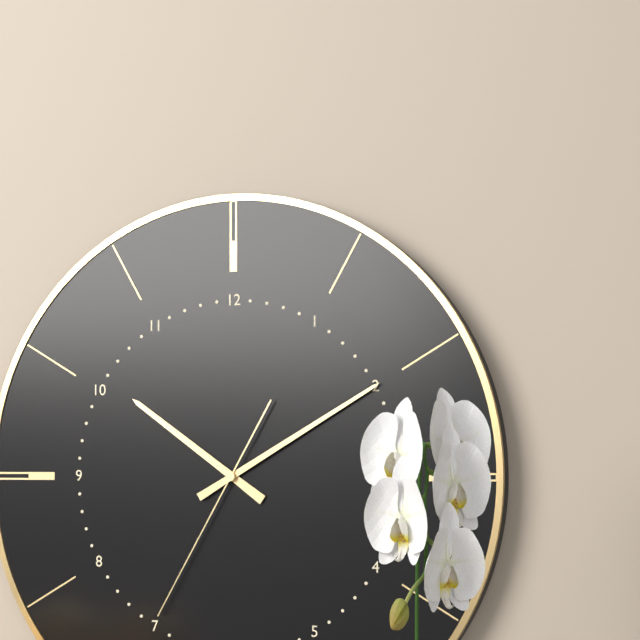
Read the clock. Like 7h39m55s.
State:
10h10m35s
